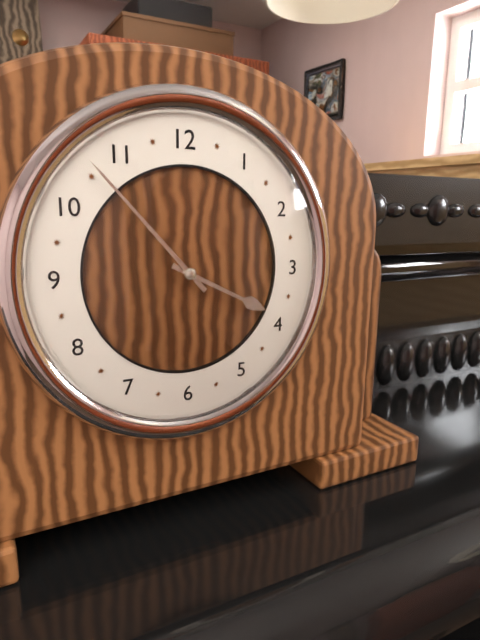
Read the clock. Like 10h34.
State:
3h53
